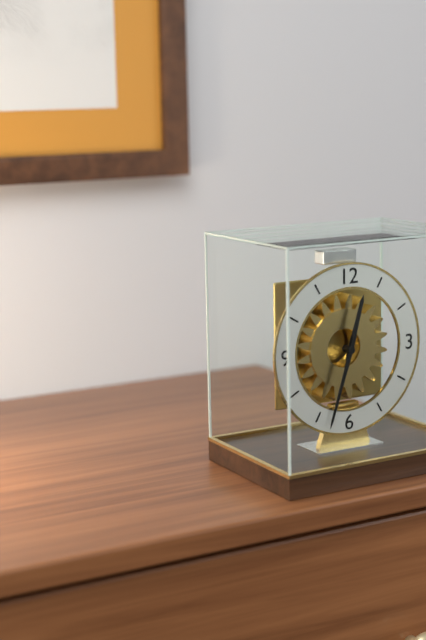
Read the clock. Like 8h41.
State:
12h33
